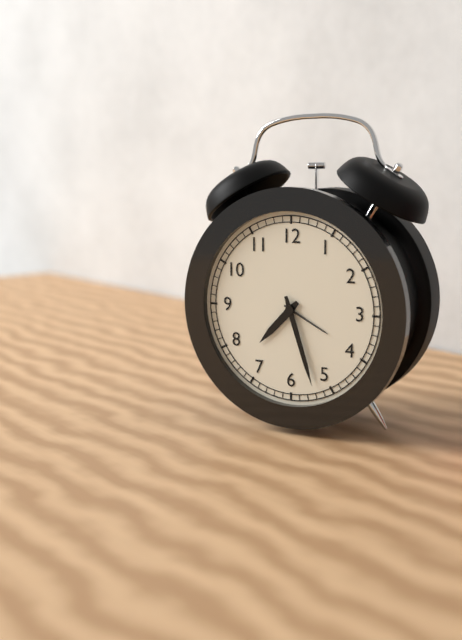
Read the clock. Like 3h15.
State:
7h27
